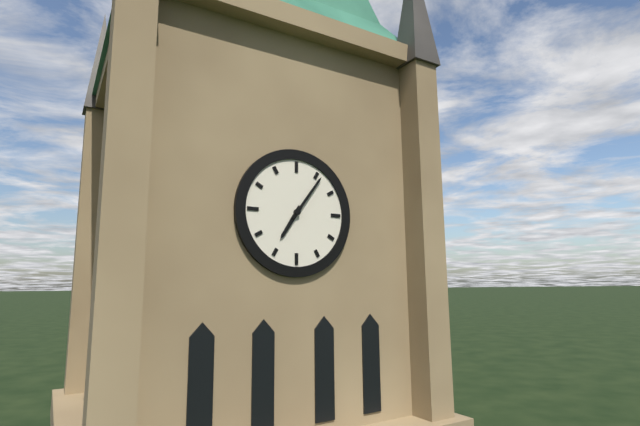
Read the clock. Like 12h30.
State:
7h06
